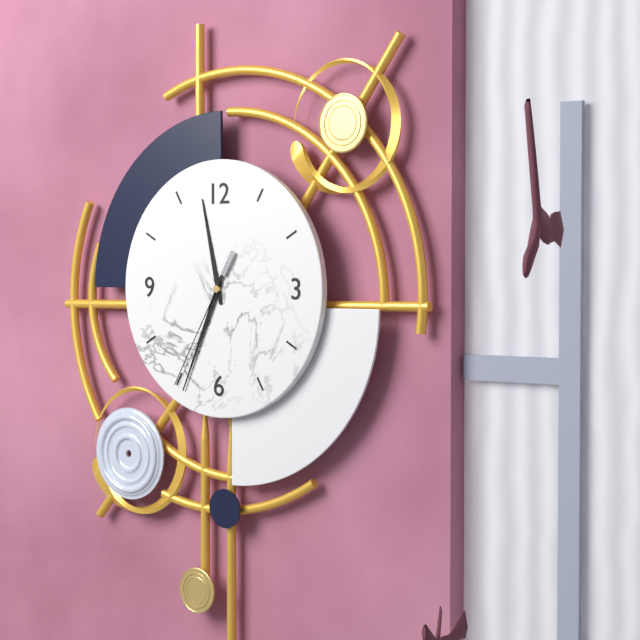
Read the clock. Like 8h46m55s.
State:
11h34m35s
